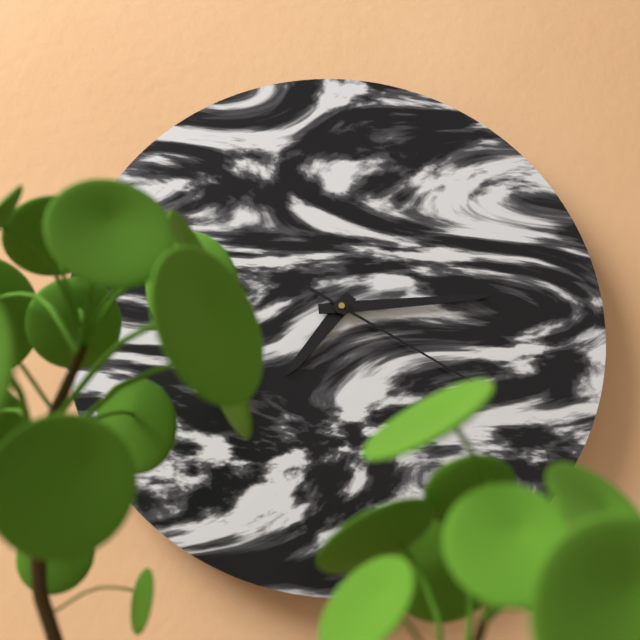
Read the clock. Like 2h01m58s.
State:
7h14m20s
